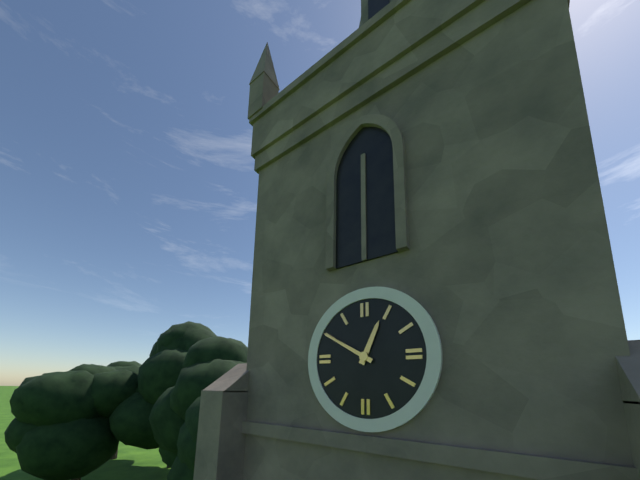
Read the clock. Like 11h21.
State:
12h50
